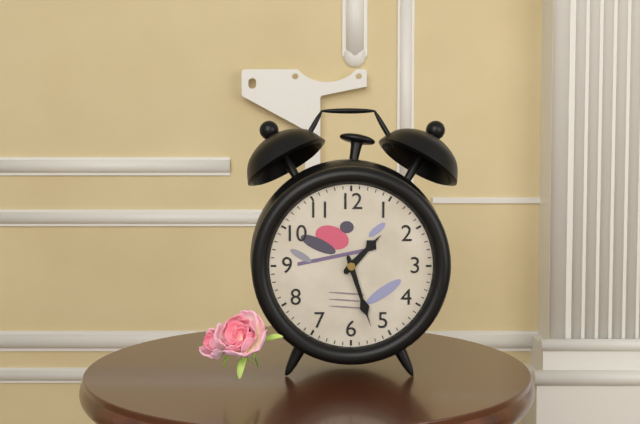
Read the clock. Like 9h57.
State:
1h27
